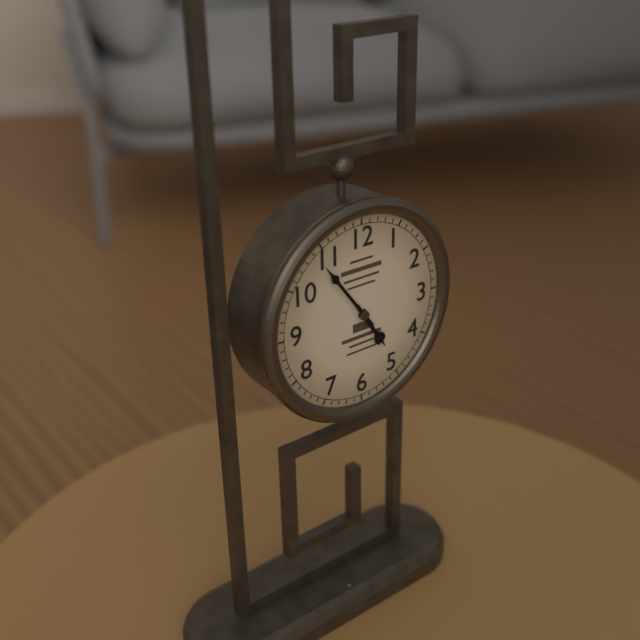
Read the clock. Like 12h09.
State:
4h54
